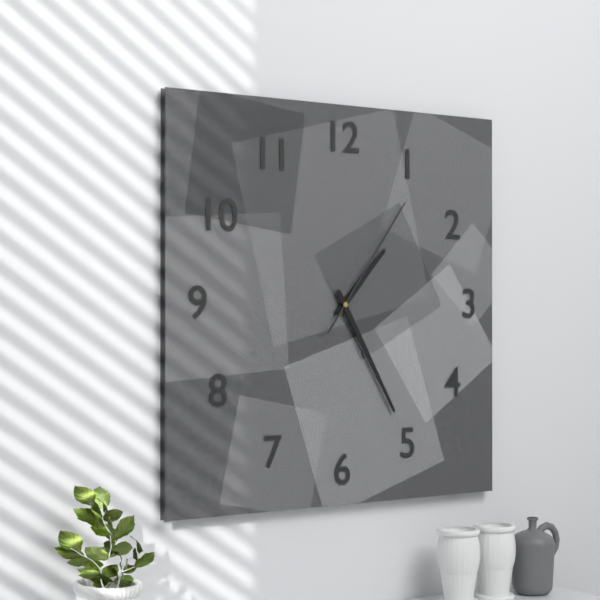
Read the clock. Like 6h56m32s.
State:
1h25m06s
